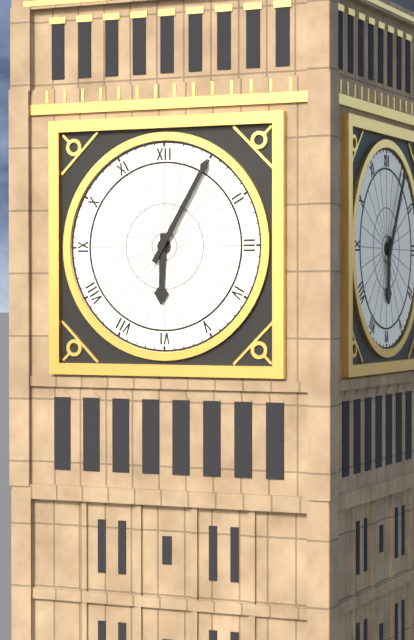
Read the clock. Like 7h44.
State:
6h05
